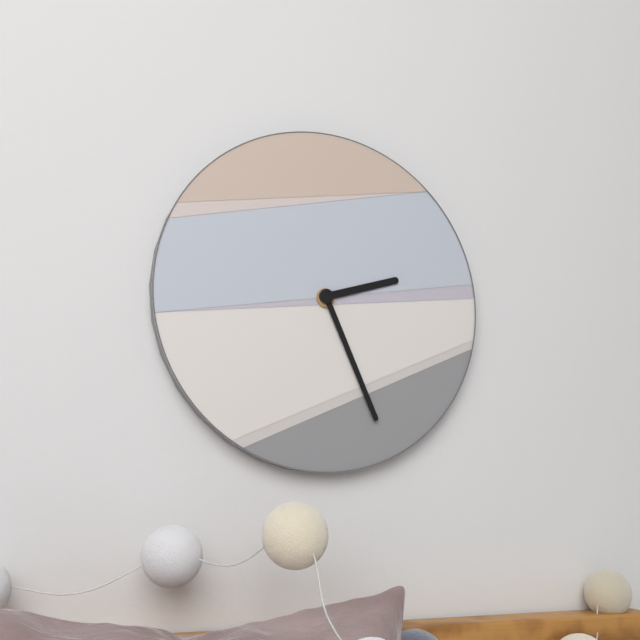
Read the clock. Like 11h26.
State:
2h26
